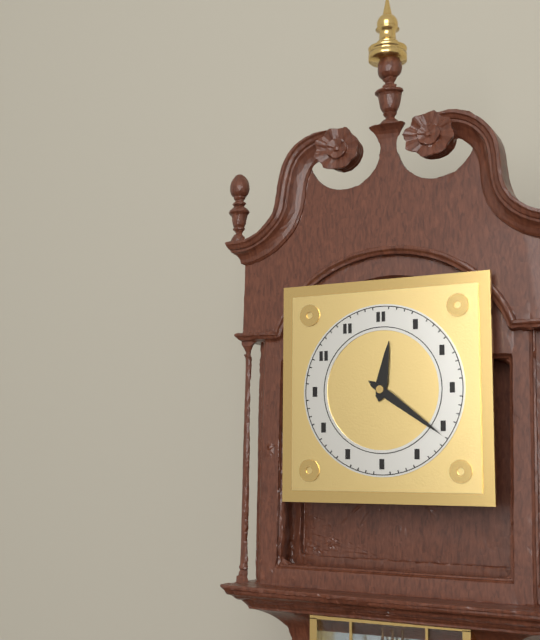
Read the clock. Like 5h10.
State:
12h21
